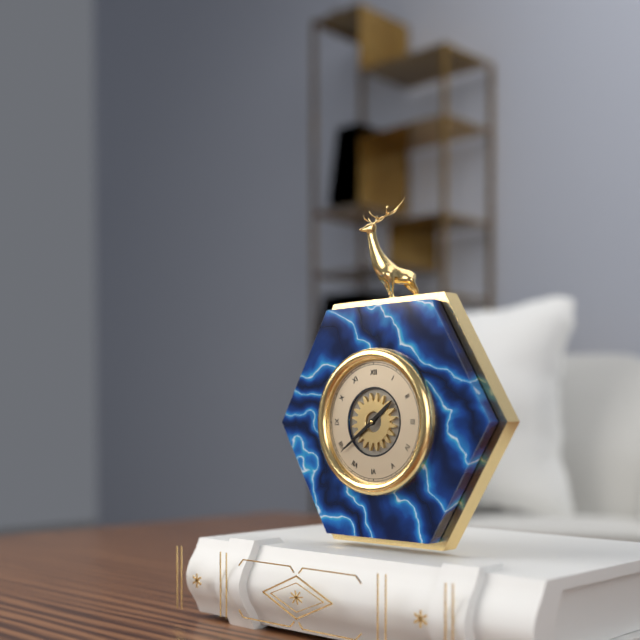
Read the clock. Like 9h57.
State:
1h39
